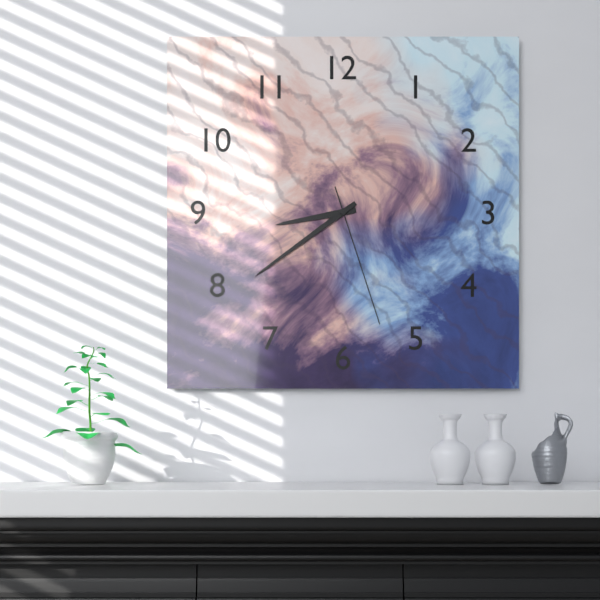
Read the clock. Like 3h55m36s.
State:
8h39m27s
